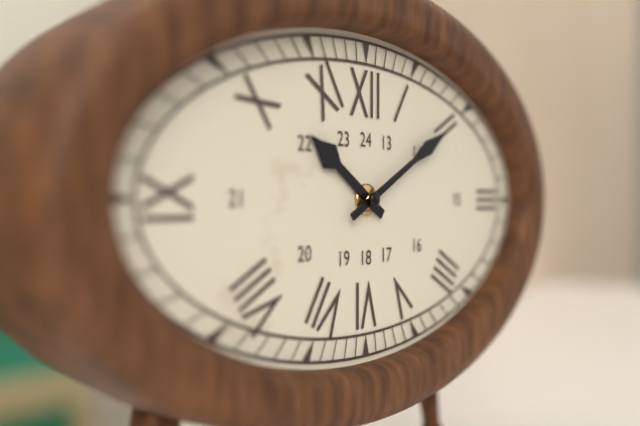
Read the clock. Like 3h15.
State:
10h10
